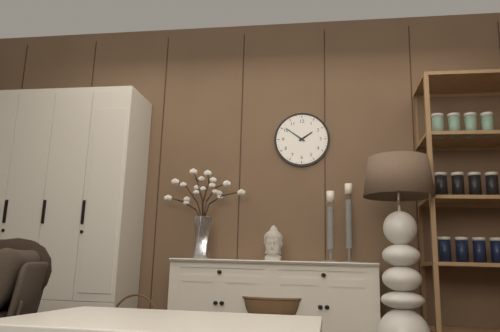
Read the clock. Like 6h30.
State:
1h51
